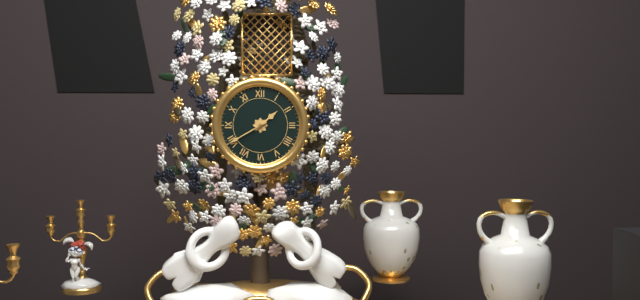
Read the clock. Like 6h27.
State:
1h40
